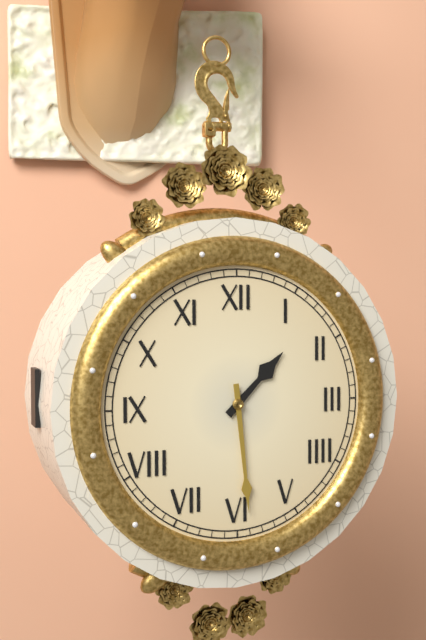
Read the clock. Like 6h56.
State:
1h29
